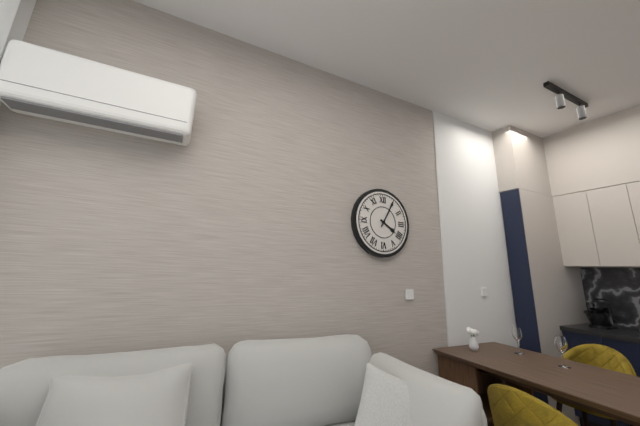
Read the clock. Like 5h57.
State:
4h05
